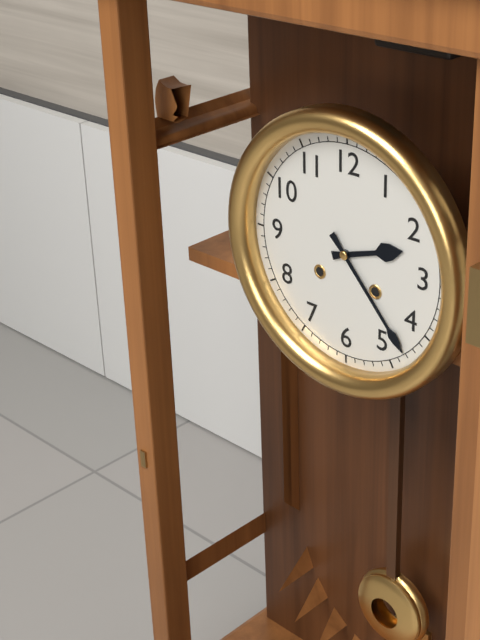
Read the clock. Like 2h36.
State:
2h23
